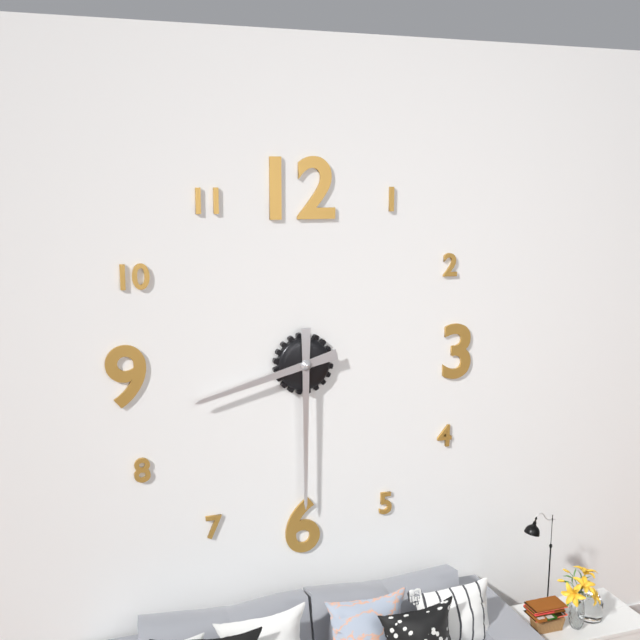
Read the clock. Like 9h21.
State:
8h30
